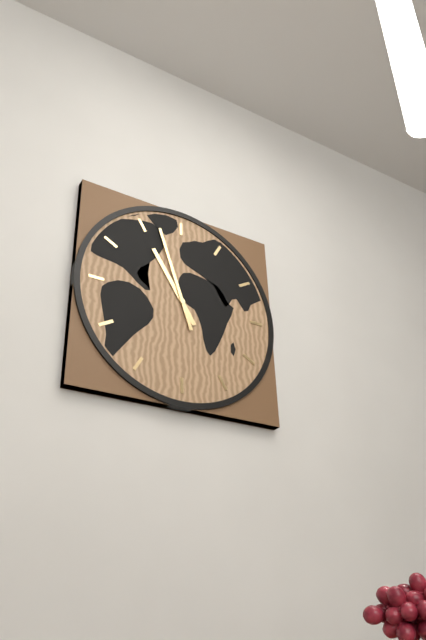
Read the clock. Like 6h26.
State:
10h57
